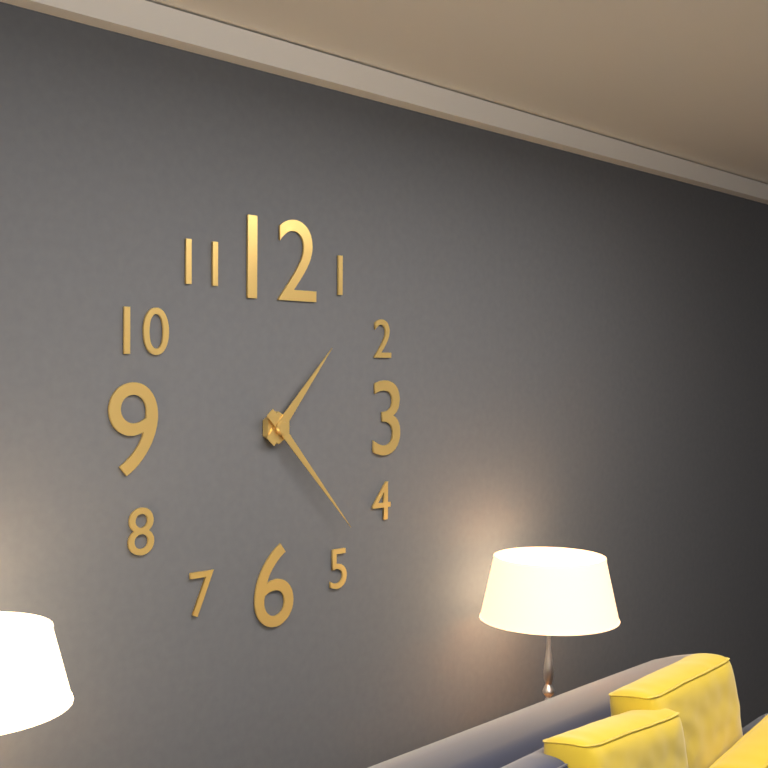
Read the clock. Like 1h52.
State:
1h23
